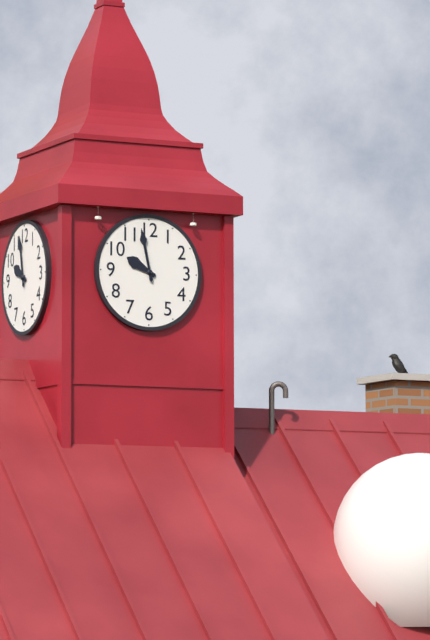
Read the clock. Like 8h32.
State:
9h58
